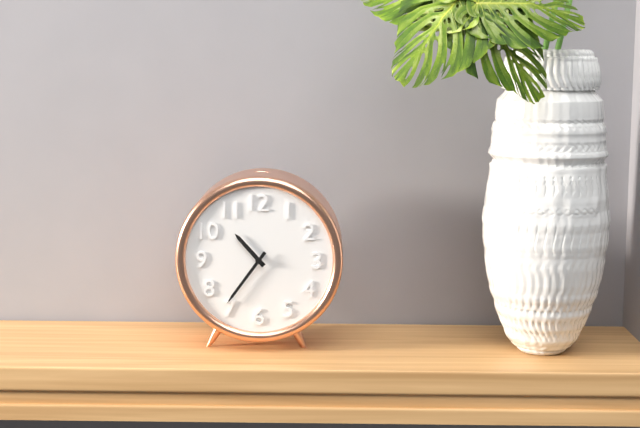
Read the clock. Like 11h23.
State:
10h36
